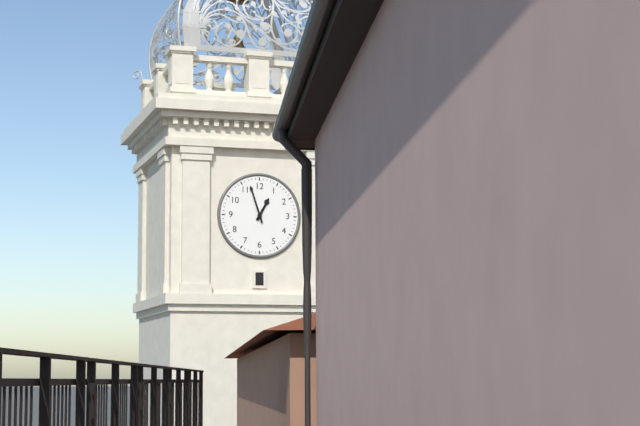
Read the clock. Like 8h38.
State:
12h57
